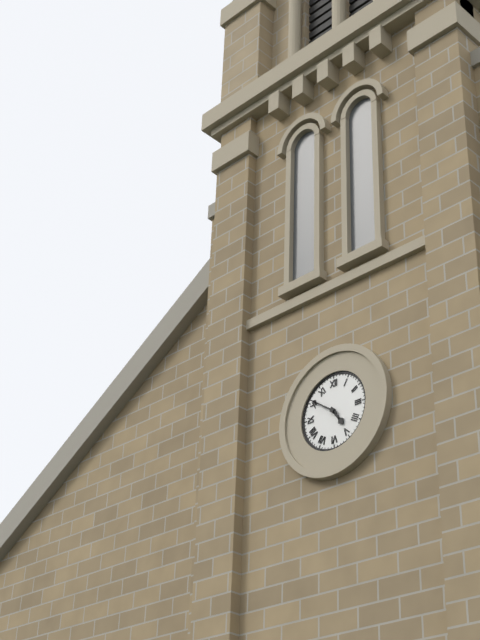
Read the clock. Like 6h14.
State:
4h51
